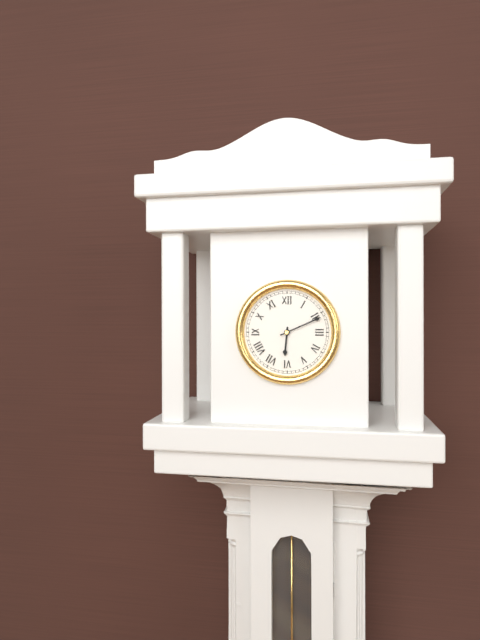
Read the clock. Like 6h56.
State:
6h11
